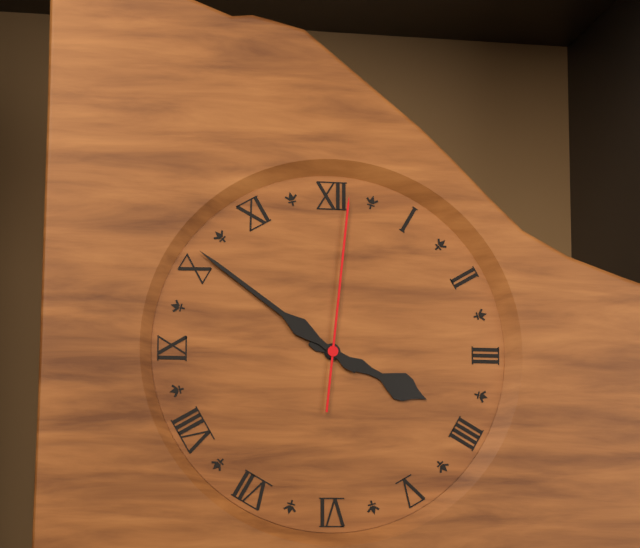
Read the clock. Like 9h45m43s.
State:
3h51m01s
